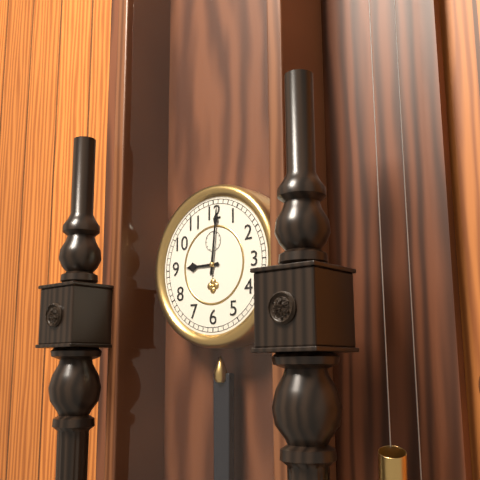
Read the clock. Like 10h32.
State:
9h01
